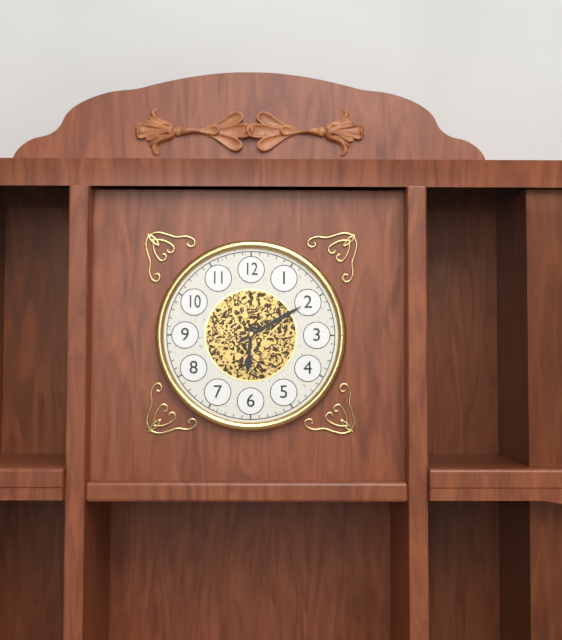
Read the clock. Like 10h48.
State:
6h10
